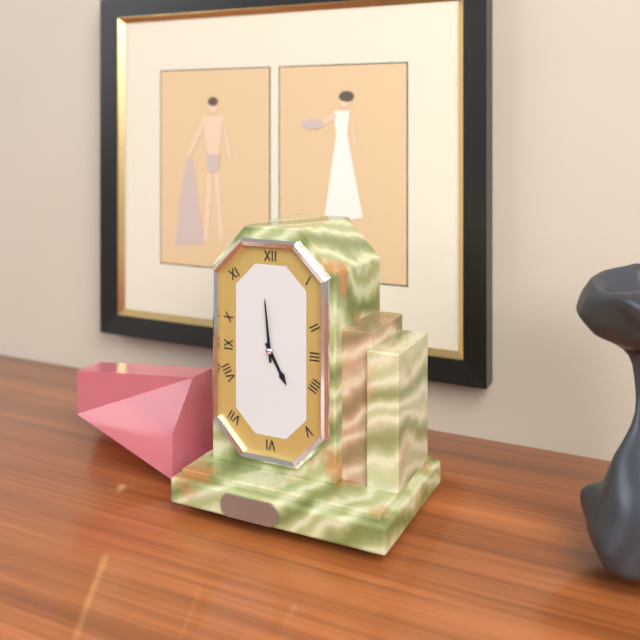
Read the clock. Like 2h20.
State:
4h59
